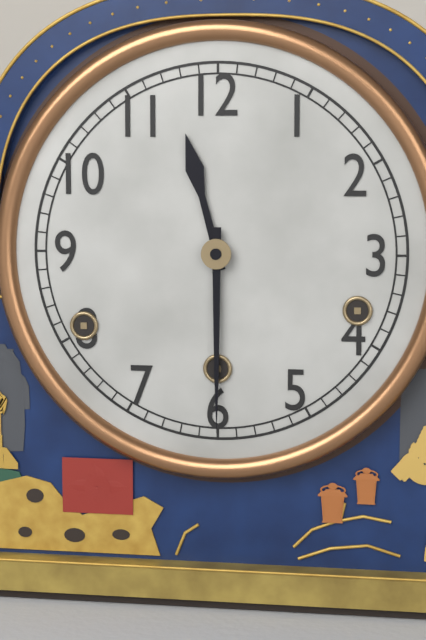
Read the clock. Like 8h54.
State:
11h30
